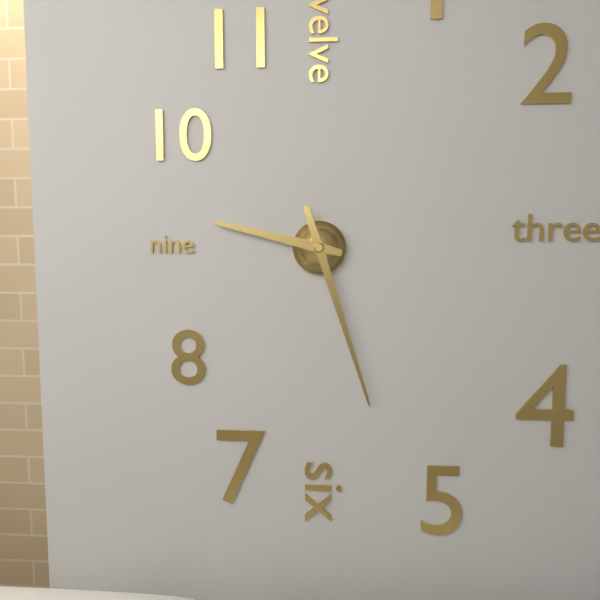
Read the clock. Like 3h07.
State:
9h27
